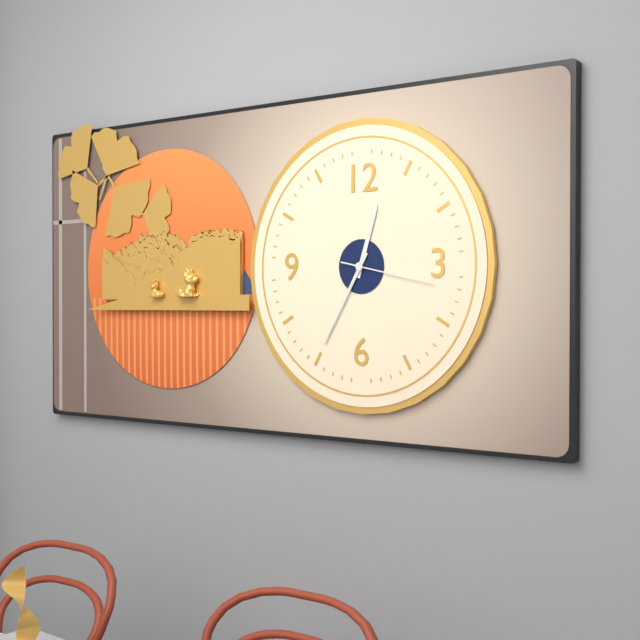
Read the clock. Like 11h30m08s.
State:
12h35m17s
